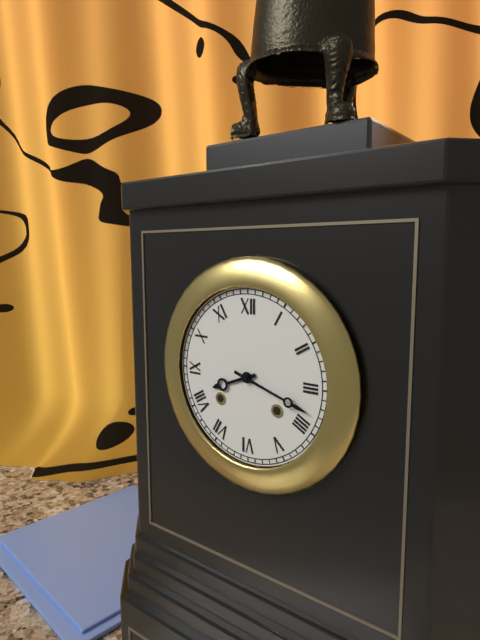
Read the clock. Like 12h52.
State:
8h18
